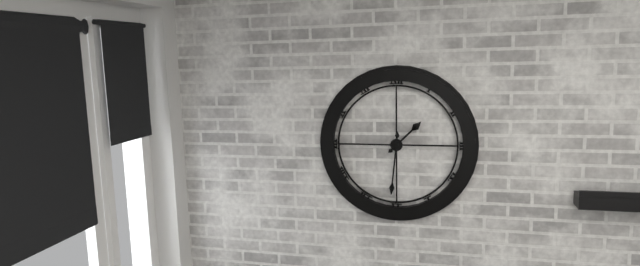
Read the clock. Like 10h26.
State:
1h31
